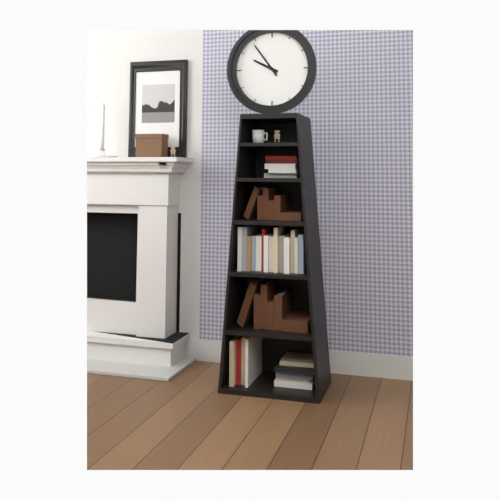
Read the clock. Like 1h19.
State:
9h54
